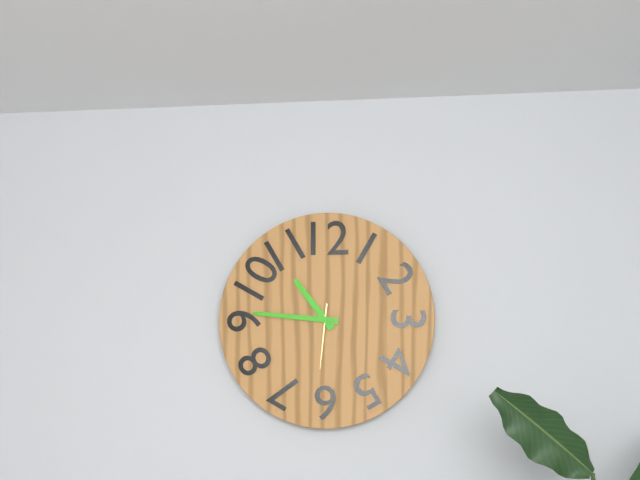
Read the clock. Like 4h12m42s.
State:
10h46m31s
